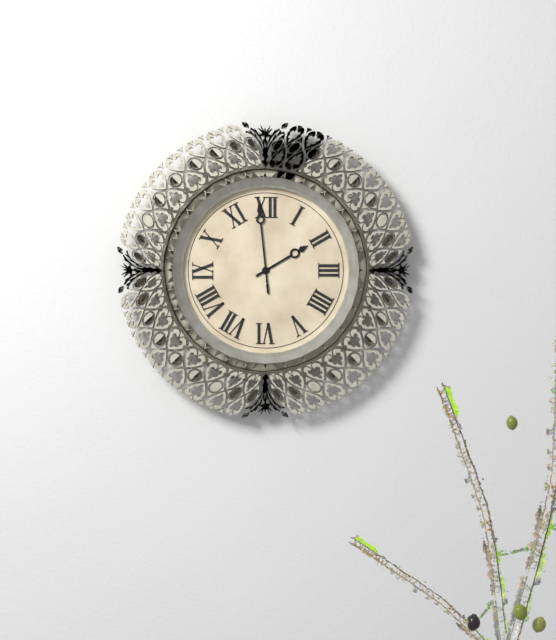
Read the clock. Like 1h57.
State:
1h59
